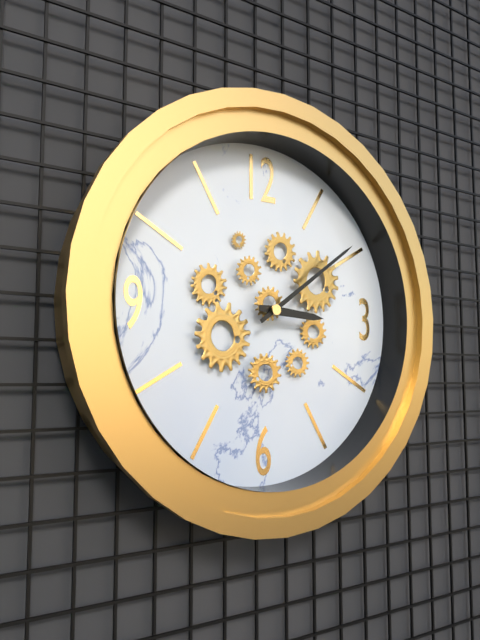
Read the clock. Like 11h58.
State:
3h09
